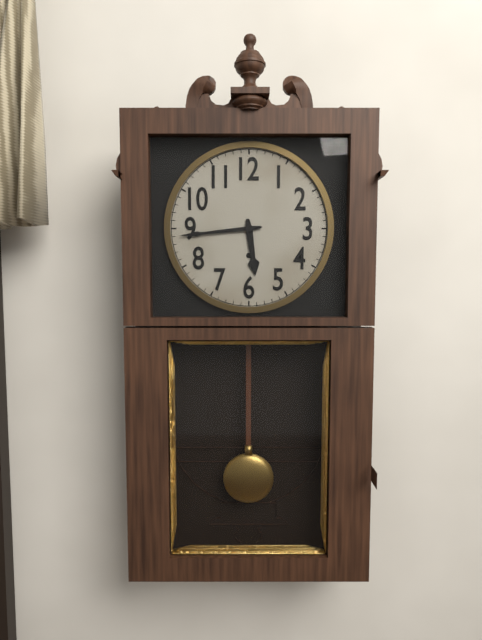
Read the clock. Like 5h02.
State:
5h44
